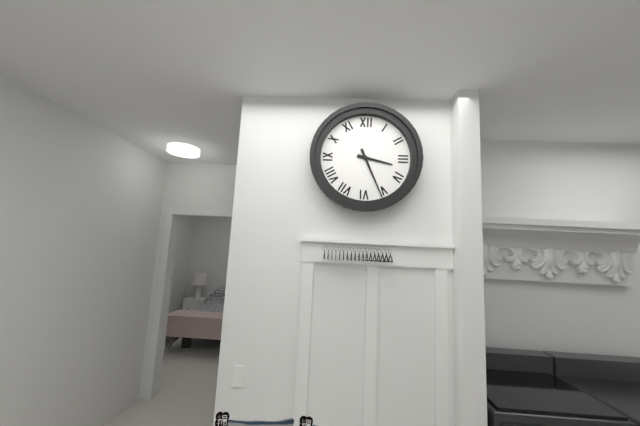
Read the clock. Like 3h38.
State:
3h26
